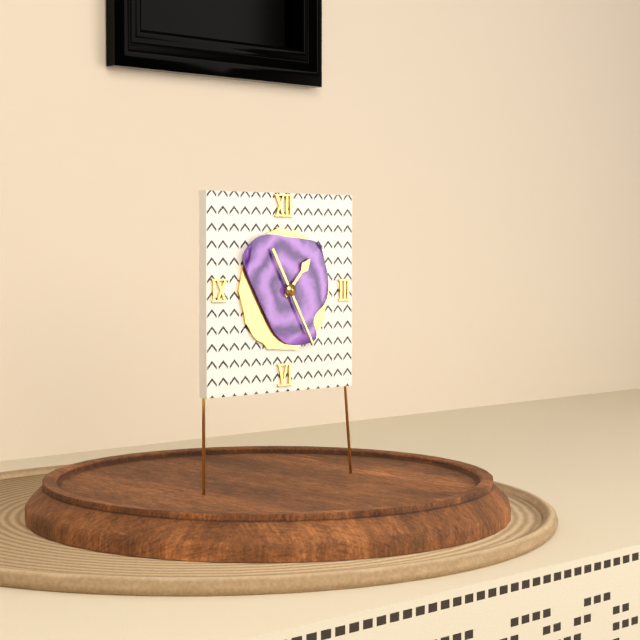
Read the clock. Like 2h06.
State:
1h25
